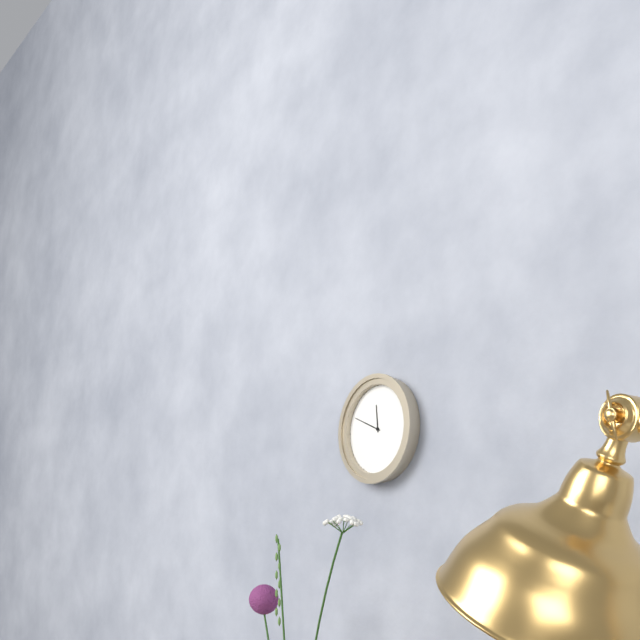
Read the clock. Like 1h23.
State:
11h49
